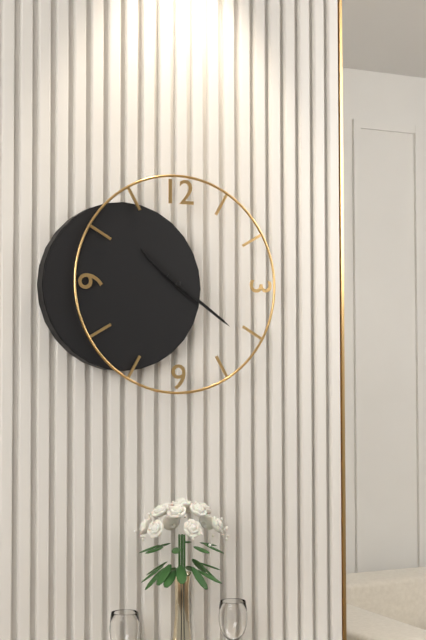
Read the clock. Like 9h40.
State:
10h21
